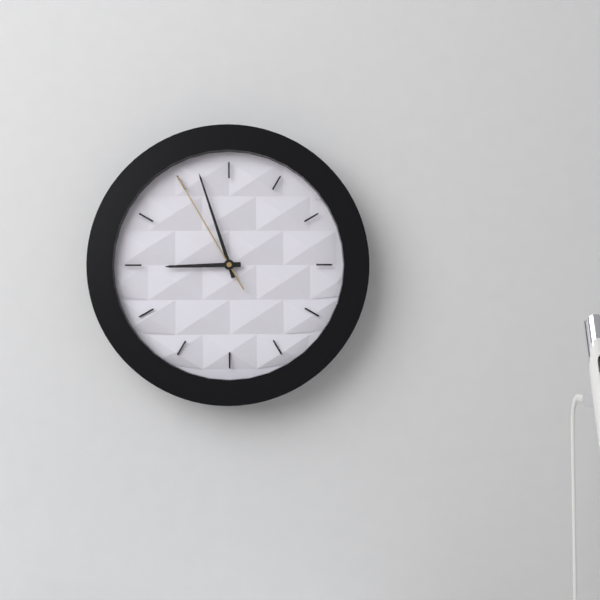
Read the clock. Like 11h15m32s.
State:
8h57m55s
